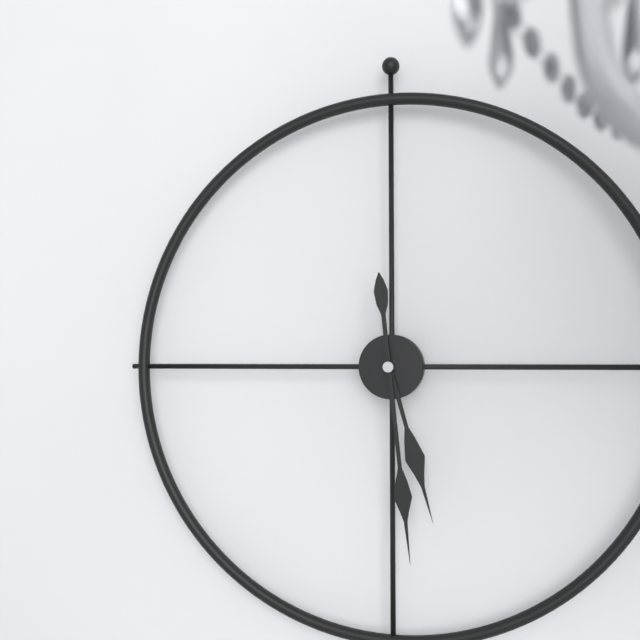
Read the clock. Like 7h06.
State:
5h29
